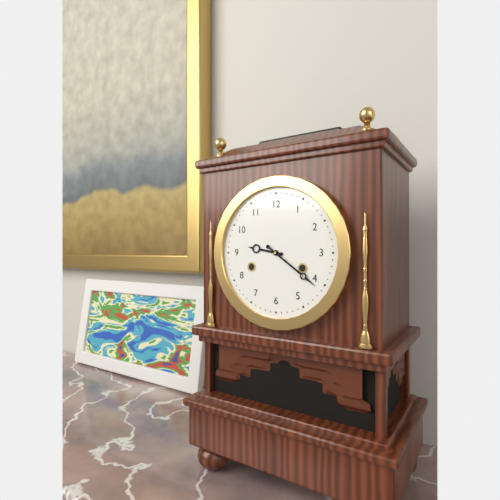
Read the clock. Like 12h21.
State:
9h21
